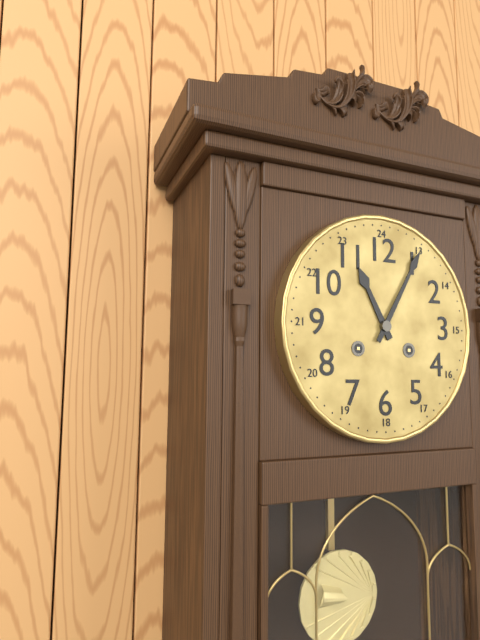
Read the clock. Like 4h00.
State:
11h05
